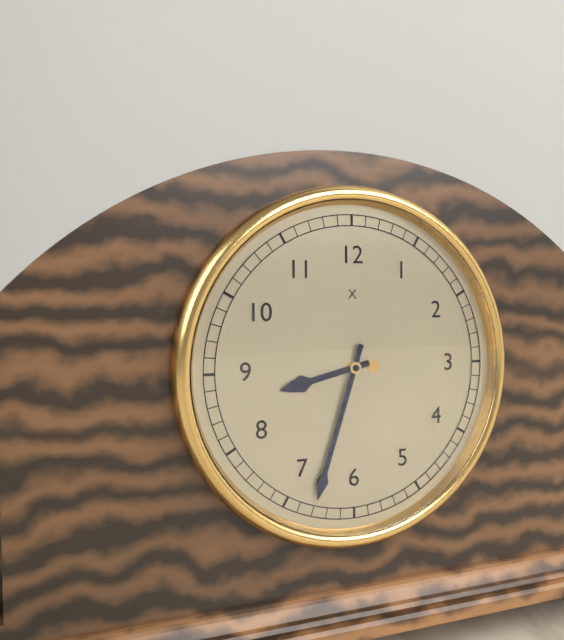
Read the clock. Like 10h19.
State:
8h33
